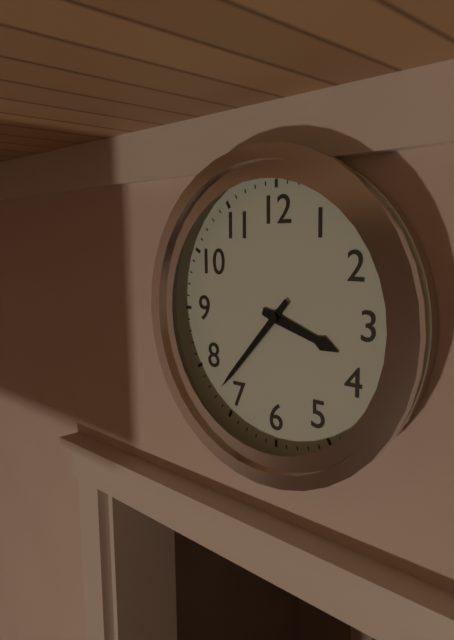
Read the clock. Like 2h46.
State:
3h37
